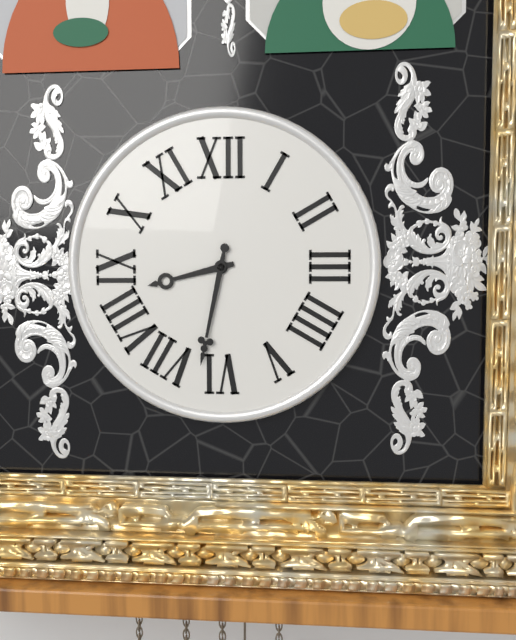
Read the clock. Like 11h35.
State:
8h32
